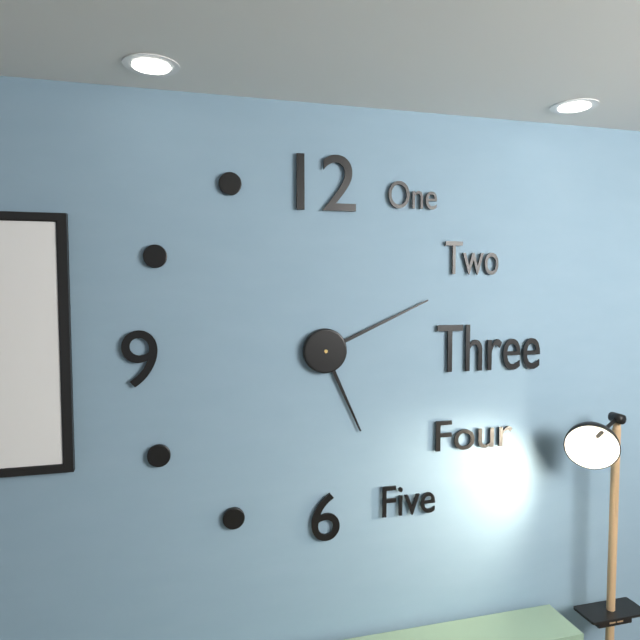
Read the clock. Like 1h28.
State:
5h11
